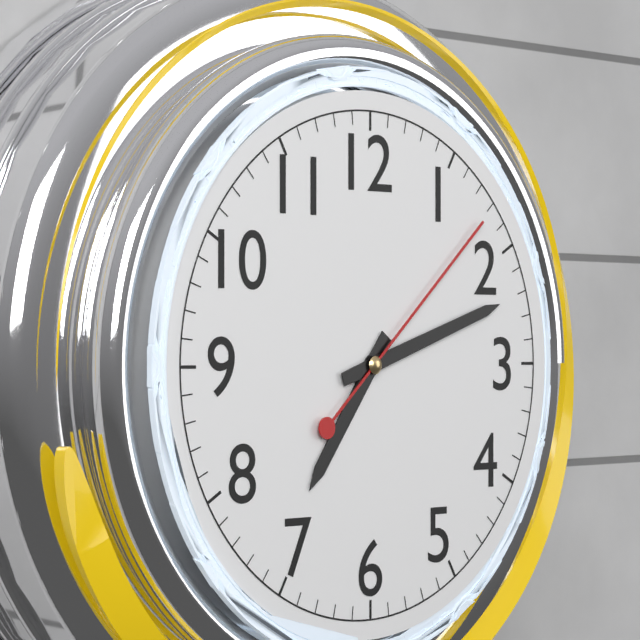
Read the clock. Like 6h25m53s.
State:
7h12m08s
